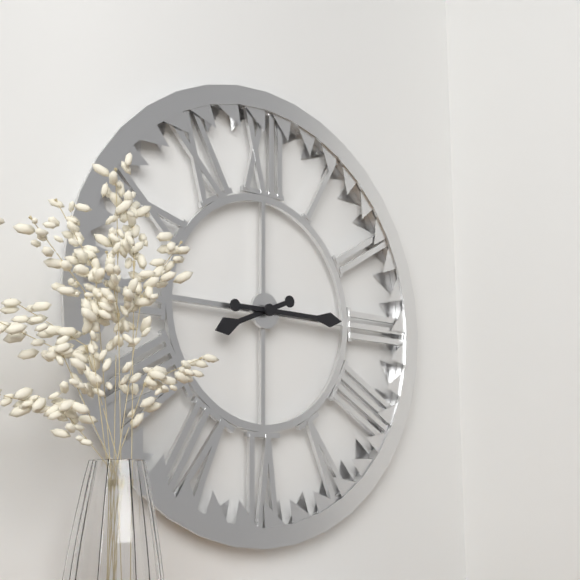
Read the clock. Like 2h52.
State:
8h15
